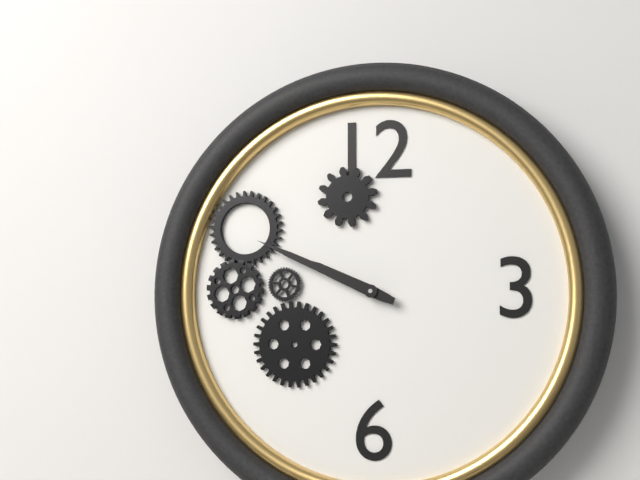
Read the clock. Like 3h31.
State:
9h49
